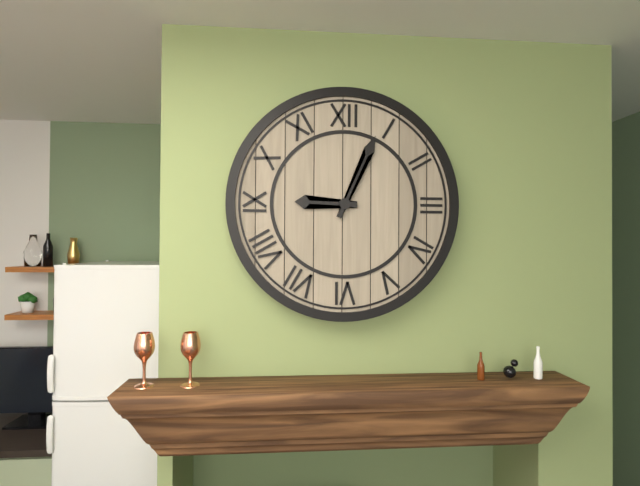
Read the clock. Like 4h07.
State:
9h04
